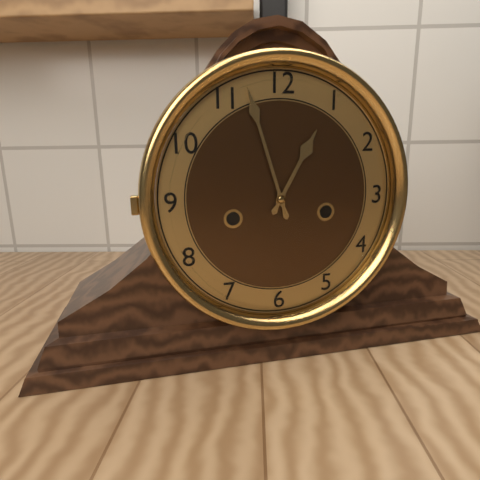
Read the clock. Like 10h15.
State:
12h57
